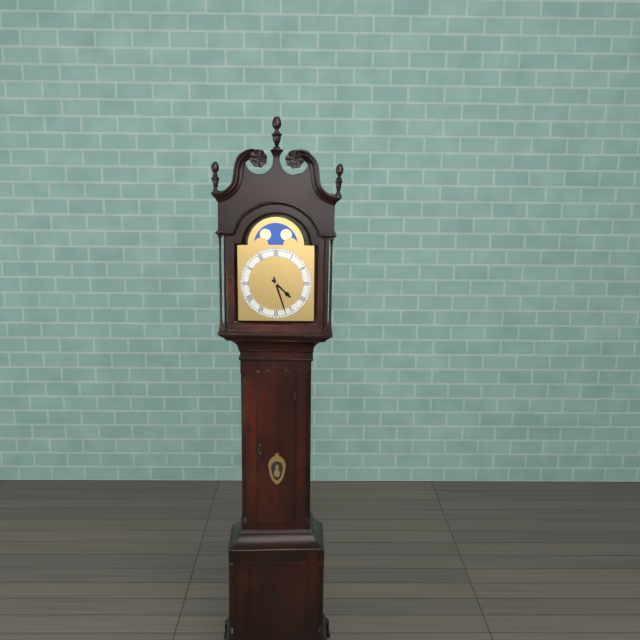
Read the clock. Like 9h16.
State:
4h27
